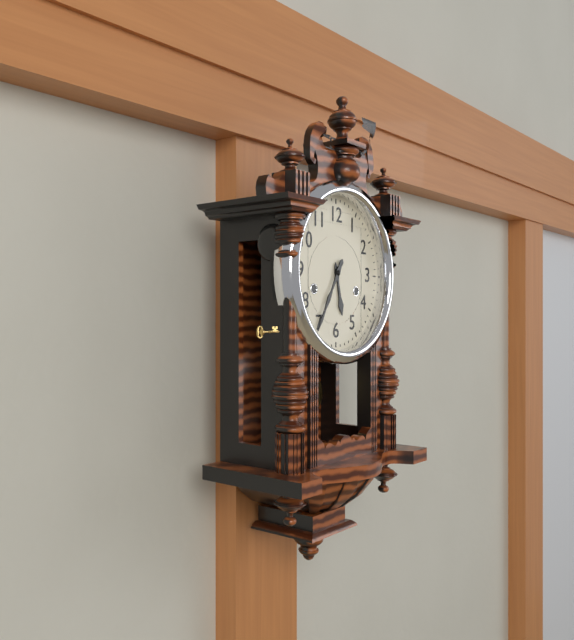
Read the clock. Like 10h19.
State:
5h35
